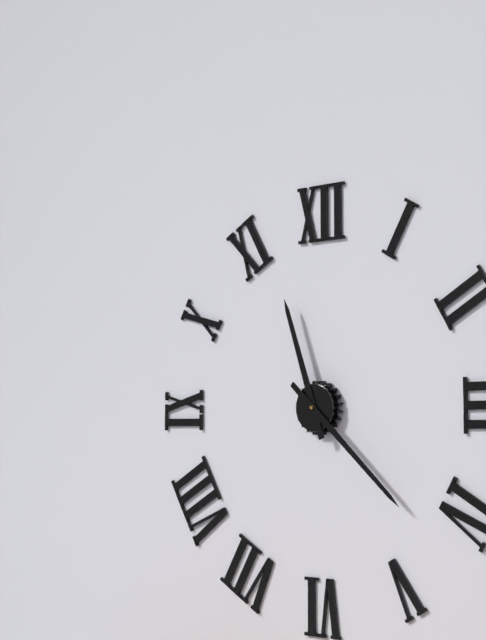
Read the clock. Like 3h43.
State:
11h22
